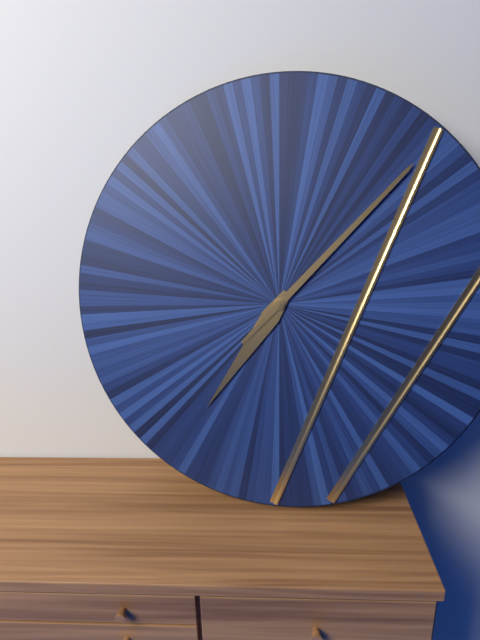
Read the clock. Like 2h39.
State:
7h07
